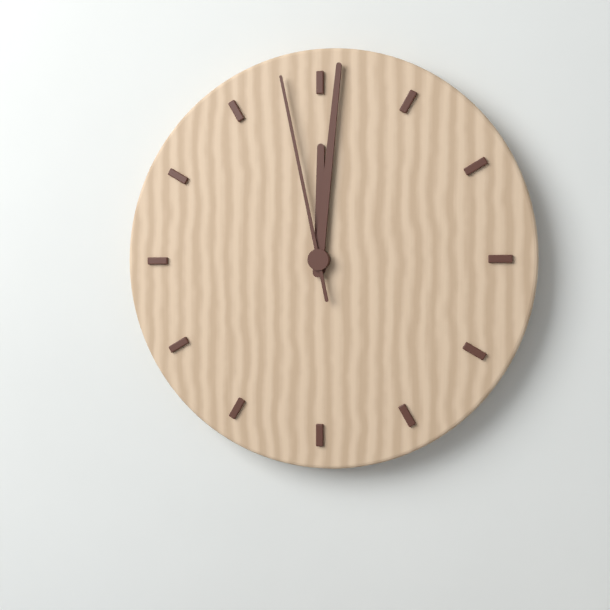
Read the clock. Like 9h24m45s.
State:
12h01m58s
